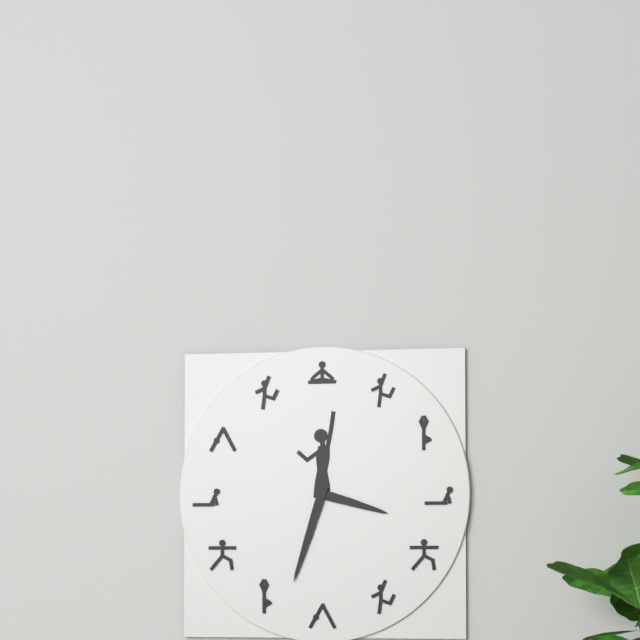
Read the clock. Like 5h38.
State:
3h33
